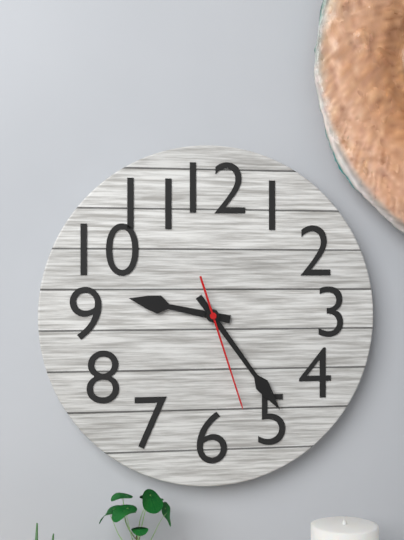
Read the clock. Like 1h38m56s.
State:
9h24m27s
